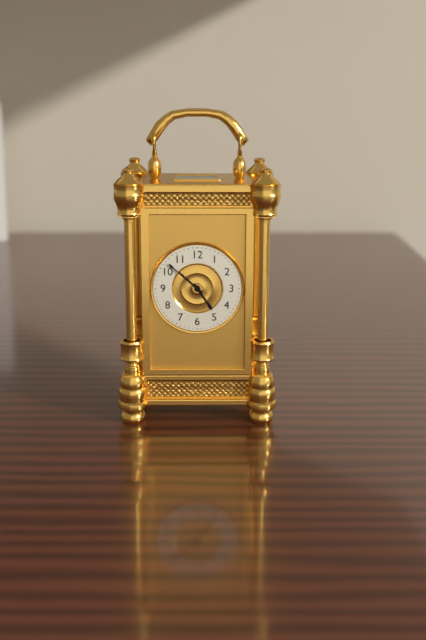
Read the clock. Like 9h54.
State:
4h52
